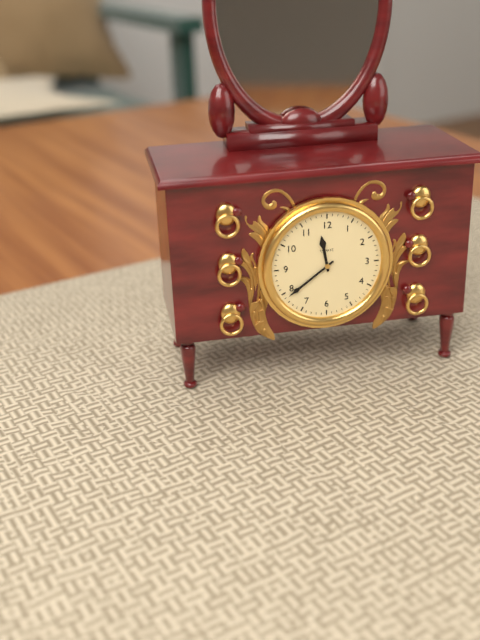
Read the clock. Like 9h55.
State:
11h39
